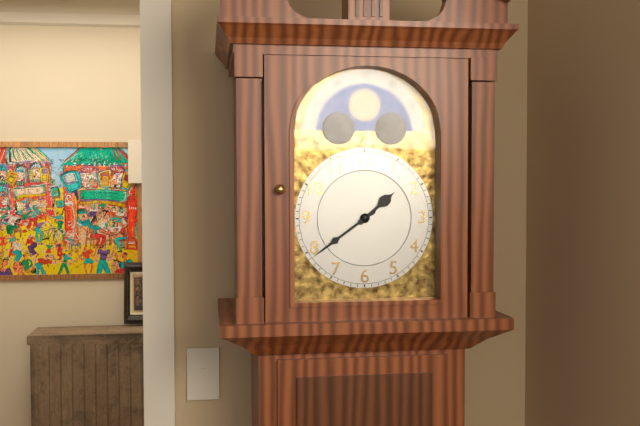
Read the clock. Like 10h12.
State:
1h39
